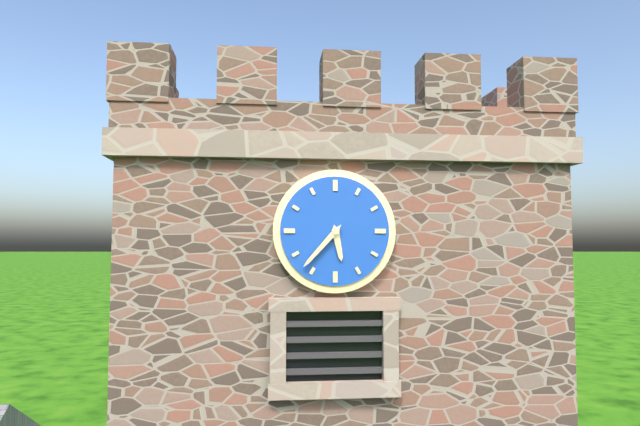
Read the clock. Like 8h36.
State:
5h37
